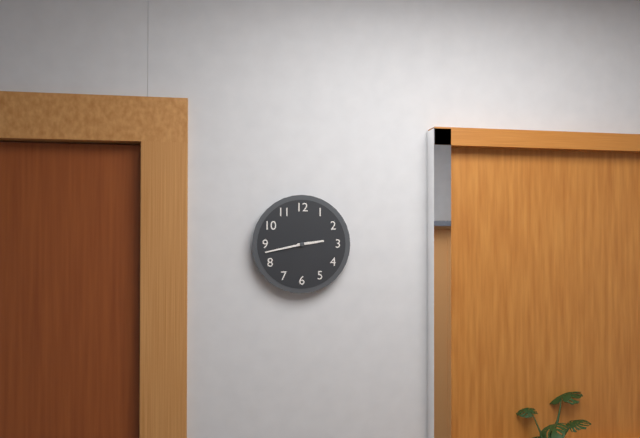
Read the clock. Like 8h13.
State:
2h43
